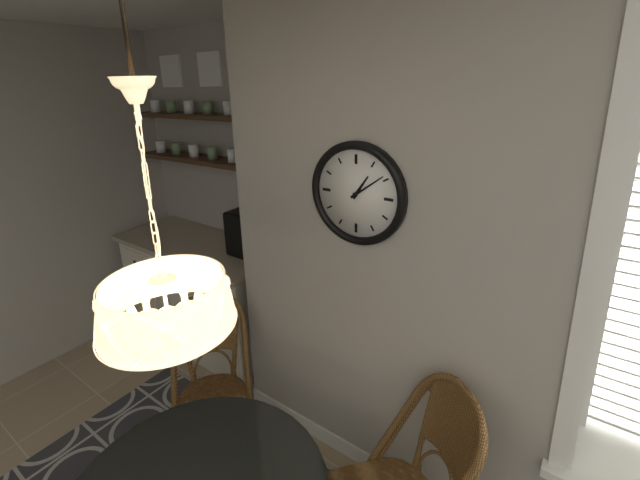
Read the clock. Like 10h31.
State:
1h09
